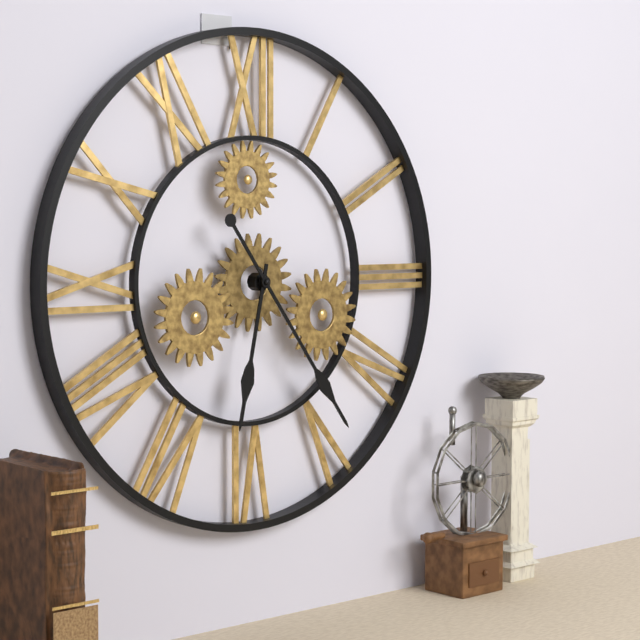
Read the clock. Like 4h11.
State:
6h24
